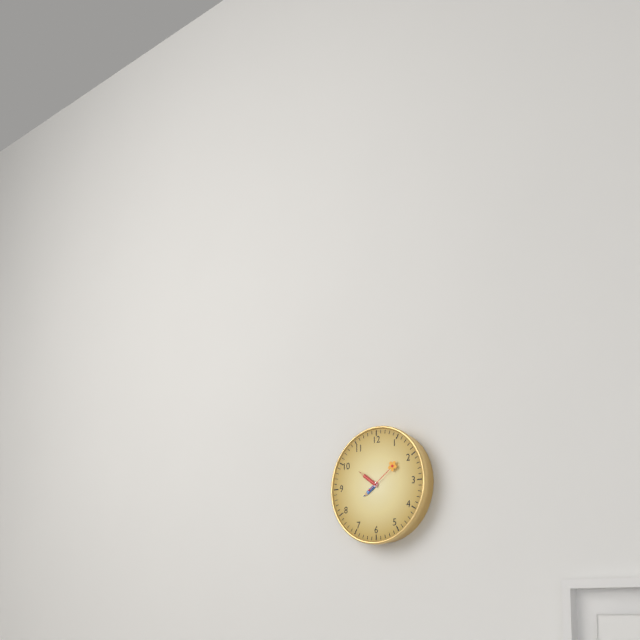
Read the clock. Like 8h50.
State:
7h51
